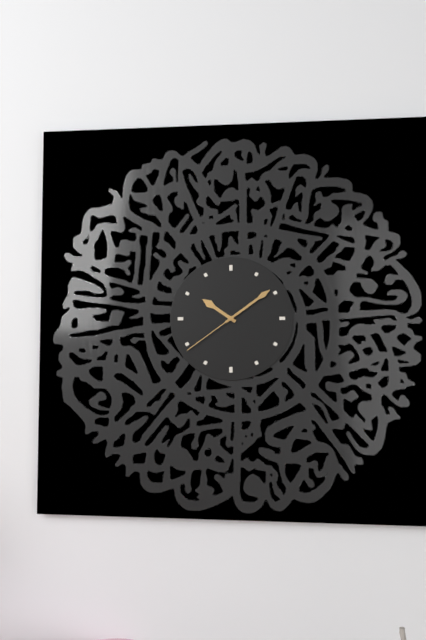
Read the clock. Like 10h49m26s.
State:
10h09m39s
